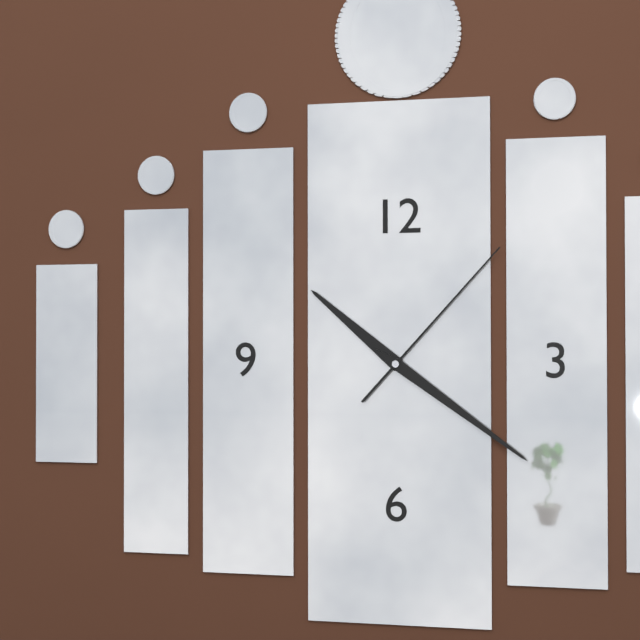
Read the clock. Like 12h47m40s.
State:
10h21m07s
